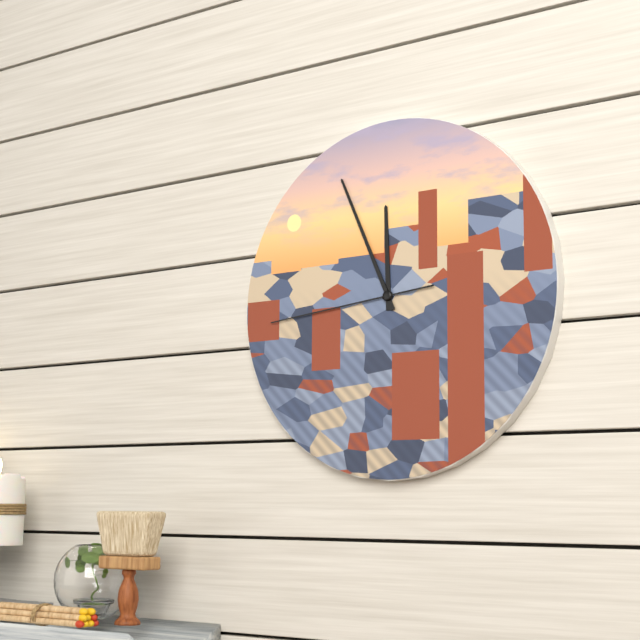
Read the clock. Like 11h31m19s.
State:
11h56m44s
